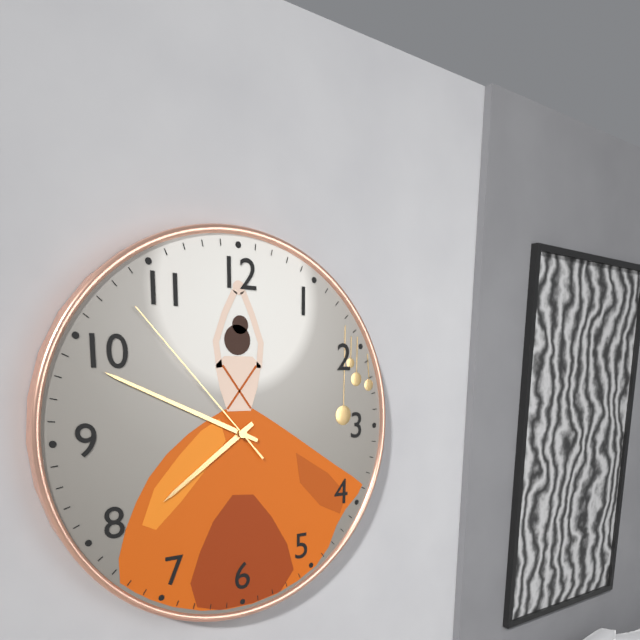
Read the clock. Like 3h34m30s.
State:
7h49m53s
